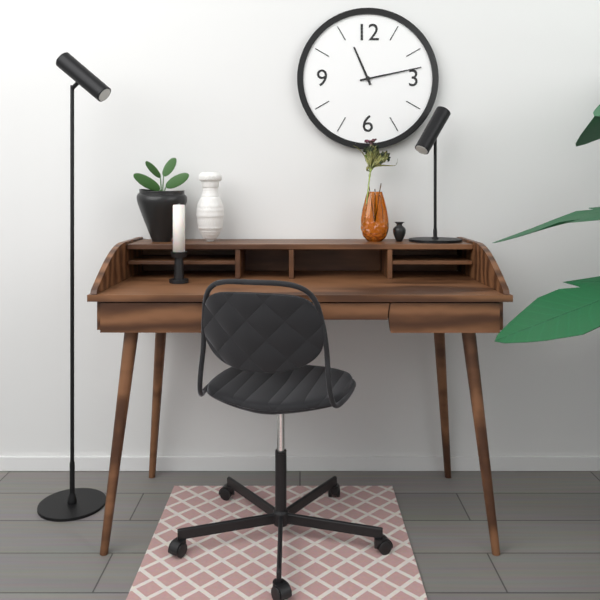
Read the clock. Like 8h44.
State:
11h13
